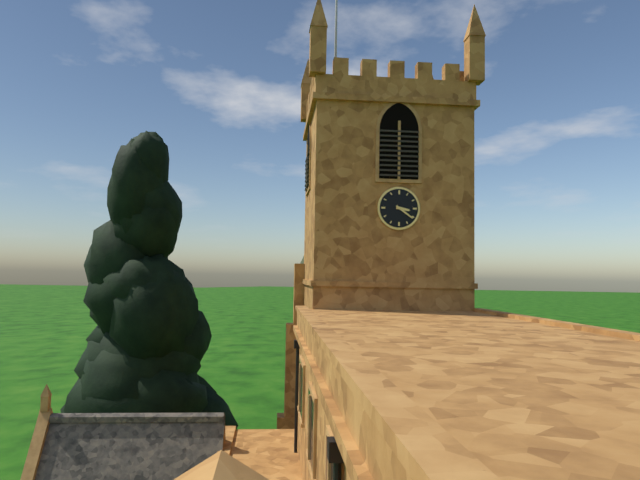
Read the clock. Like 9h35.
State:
3h21
